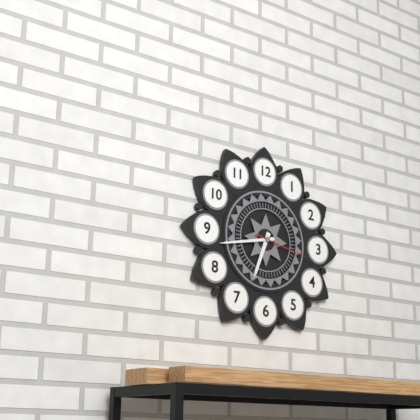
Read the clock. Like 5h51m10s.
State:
6h43m17s
